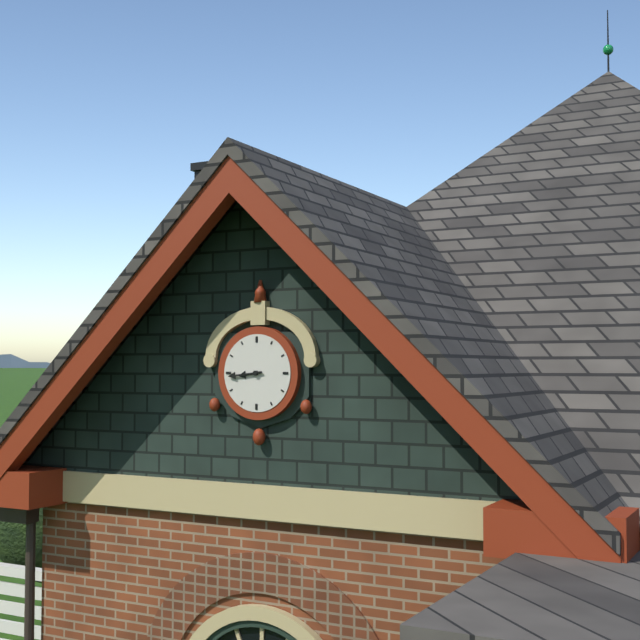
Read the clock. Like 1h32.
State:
8h44
